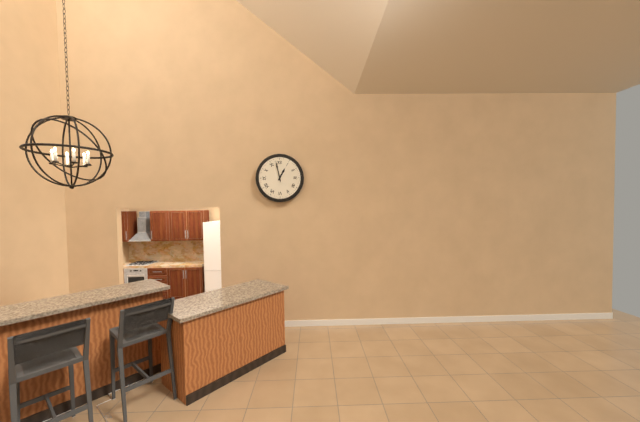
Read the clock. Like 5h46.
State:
12h58
